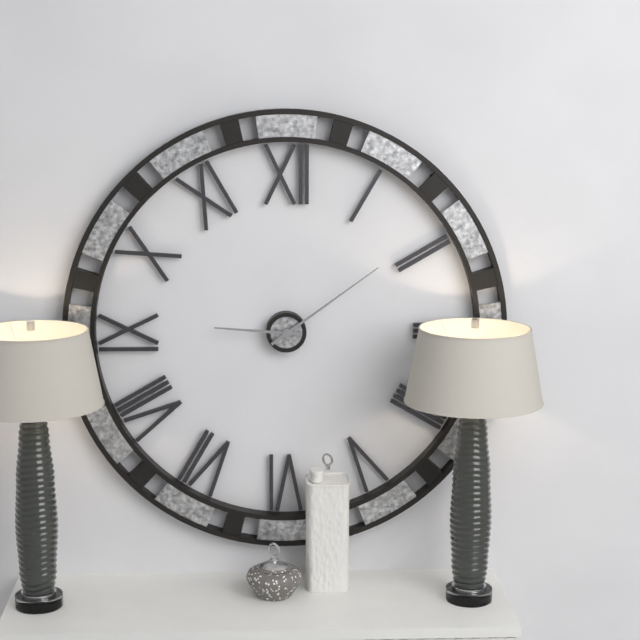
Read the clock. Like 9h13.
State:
9h09
